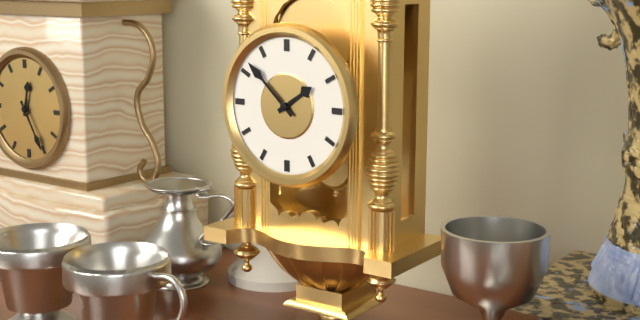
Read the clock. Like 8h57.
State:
1h52
